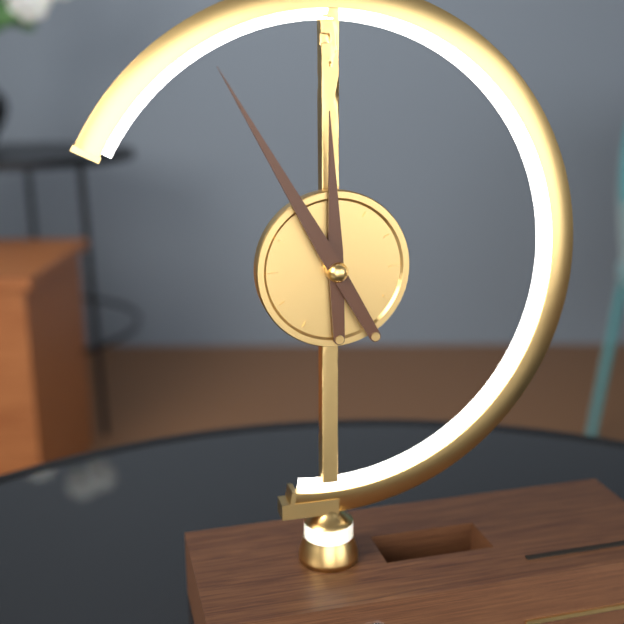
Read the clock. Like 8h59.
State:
11h55
